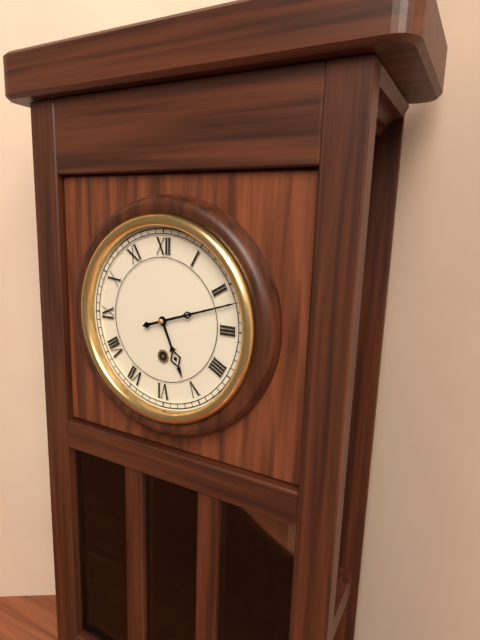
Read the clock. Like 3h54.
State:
5h12
